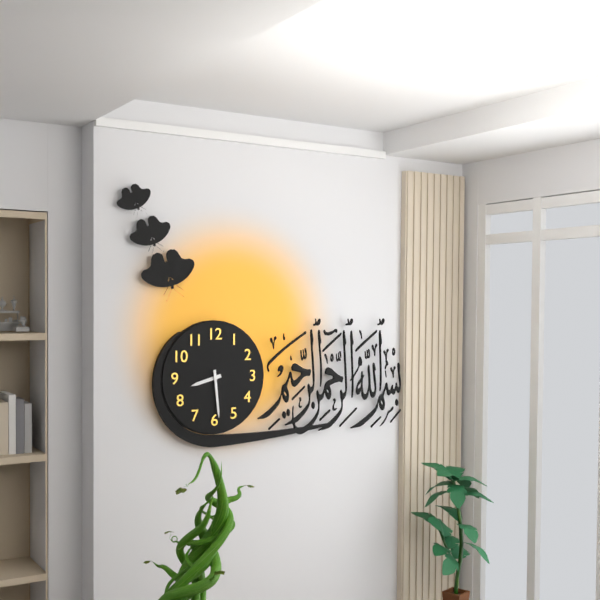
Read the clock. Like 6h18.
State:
8h29
